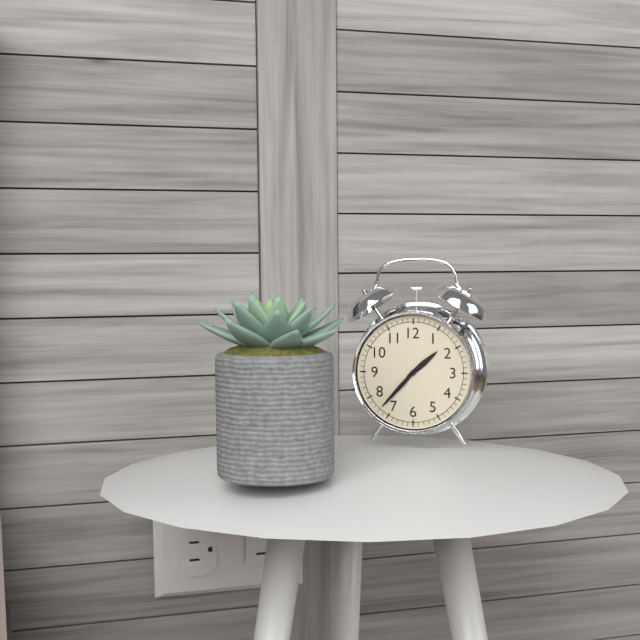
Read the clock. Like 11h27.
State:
1h37
